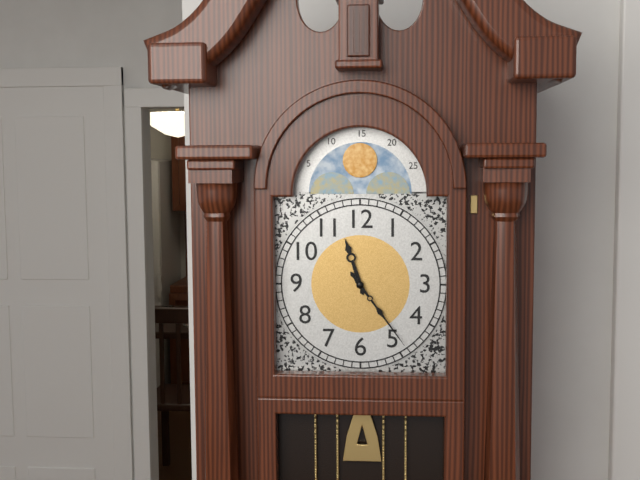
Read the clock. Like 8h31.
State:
11h24
